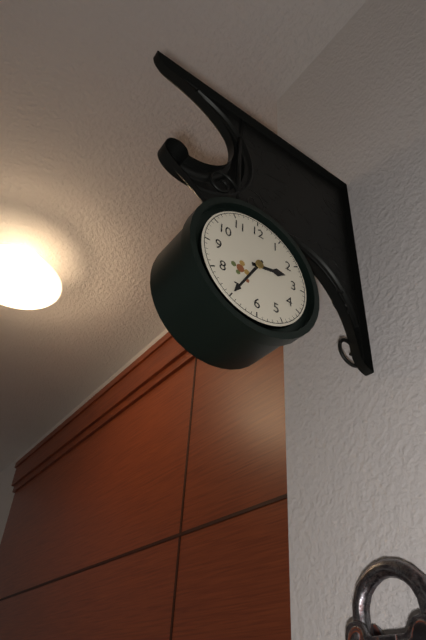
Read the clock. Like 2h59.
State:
2h35
